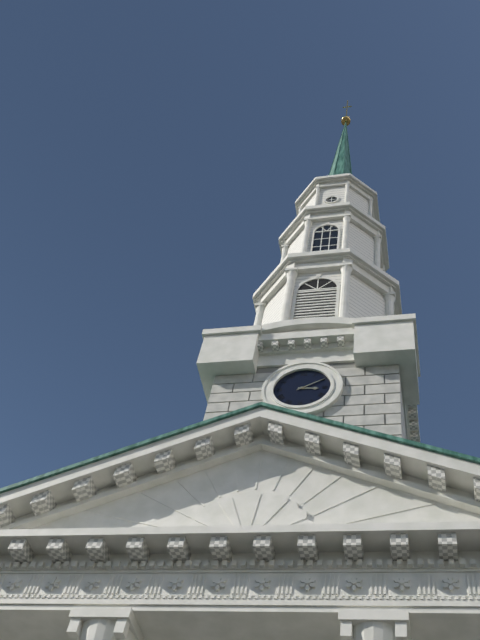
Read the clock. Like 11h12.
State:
3h10
